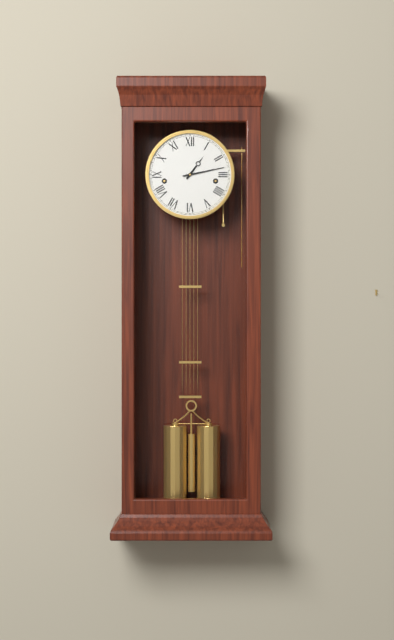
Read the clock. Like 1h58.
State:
1h13
